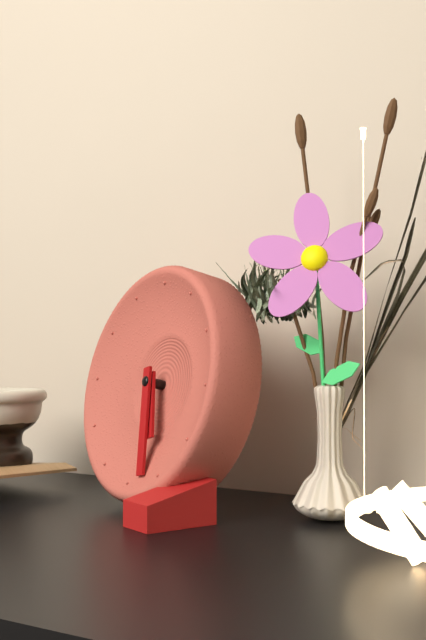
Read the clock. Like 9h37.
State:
5h28
